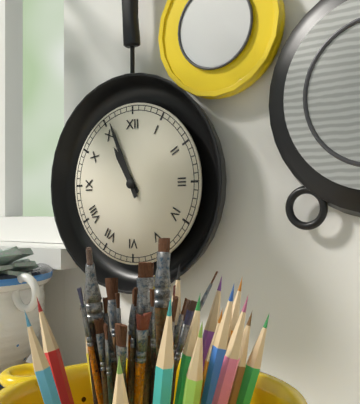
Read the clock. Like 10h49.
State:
10h56
